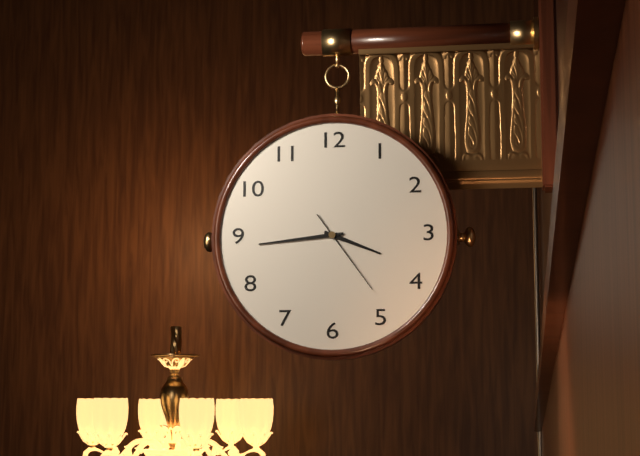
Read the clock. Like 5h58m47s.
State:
3h44m24s
